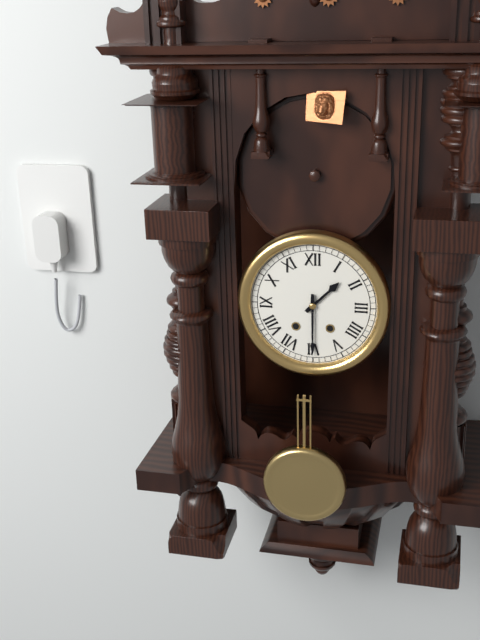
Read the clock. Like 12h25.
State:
1h30
